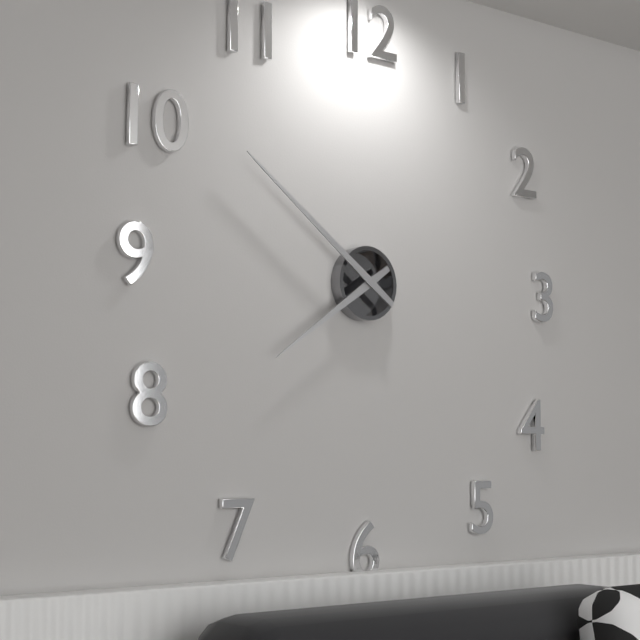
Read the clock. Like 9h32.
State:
7h51
